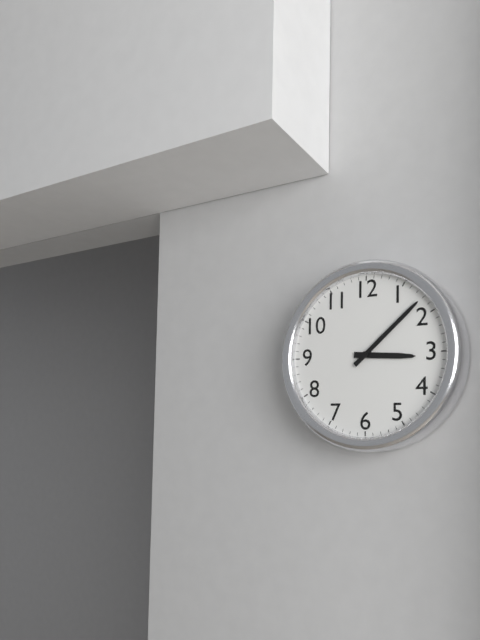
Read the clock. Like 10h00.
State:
3h08
